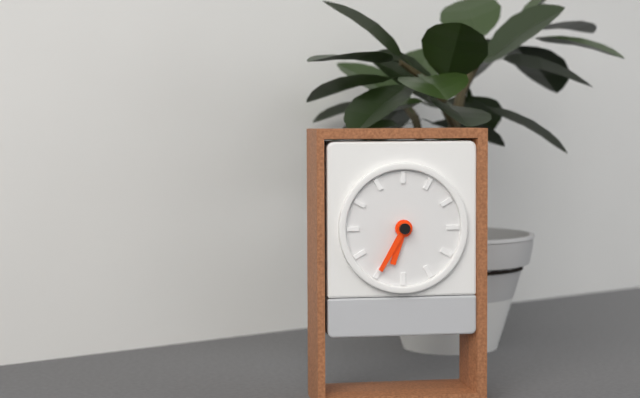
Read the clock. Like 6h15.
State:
6h35
